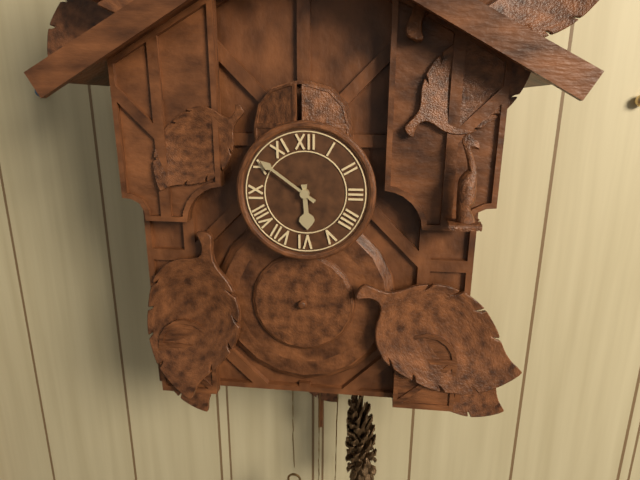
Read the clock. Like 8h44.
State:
5h51
